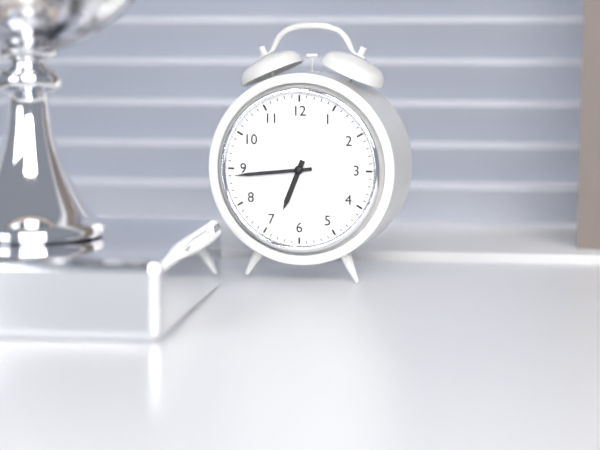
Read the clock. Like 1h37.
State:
6h44
